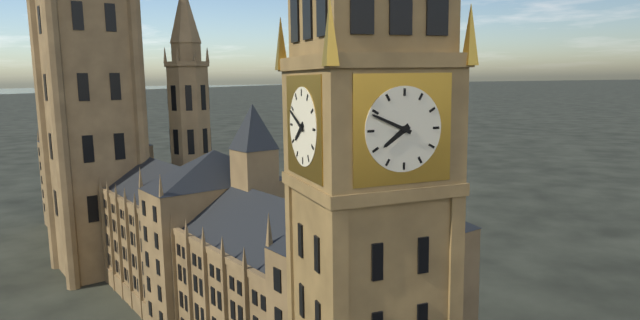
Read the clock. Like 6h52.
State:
7h49
